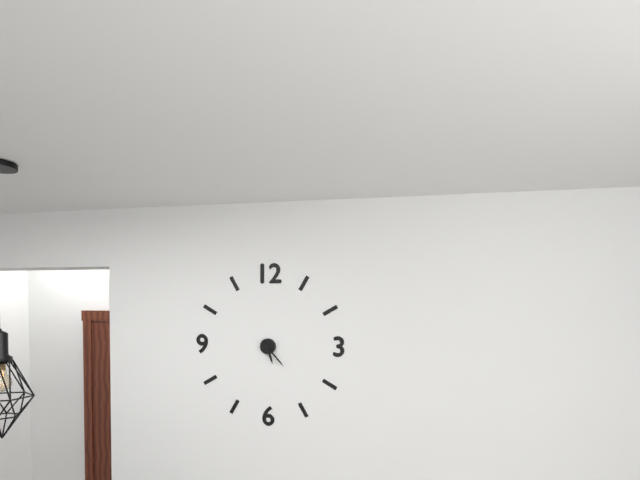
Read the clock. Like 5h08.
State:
5h23
